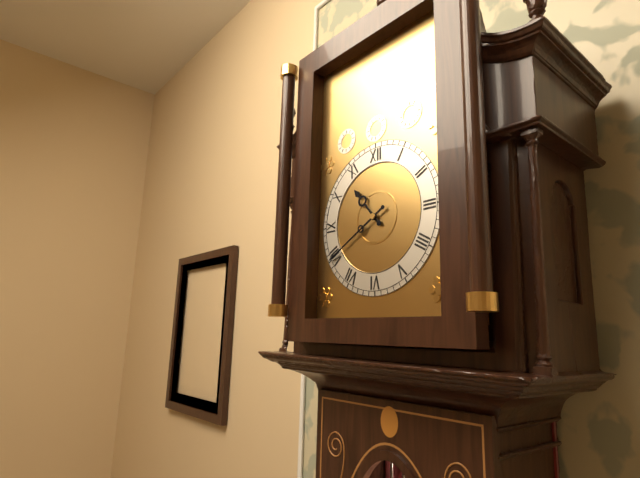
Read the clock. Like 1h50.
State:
10h40
